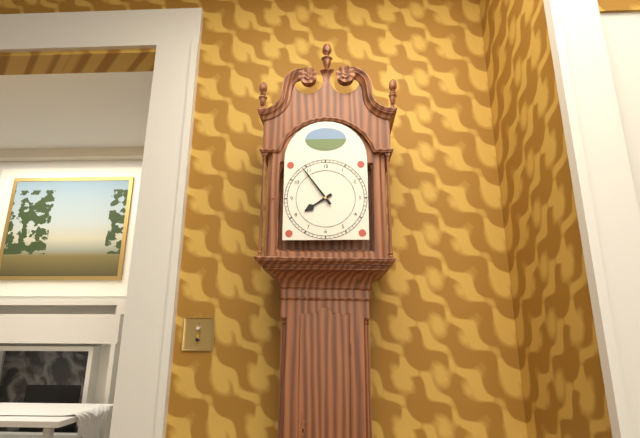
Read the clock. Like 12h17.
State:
7h54
